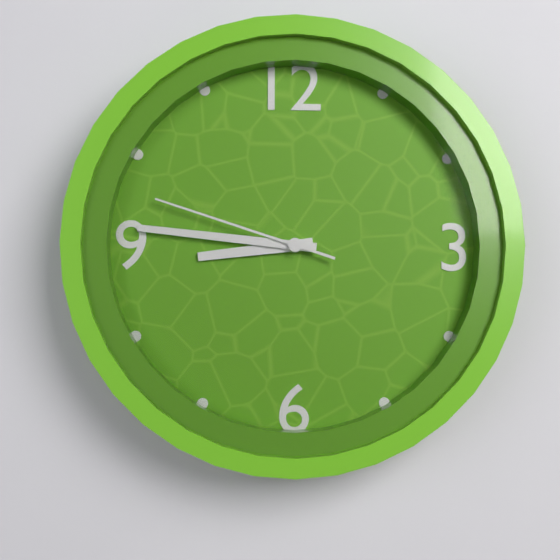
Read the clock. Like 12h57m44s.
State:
8h46m48s
